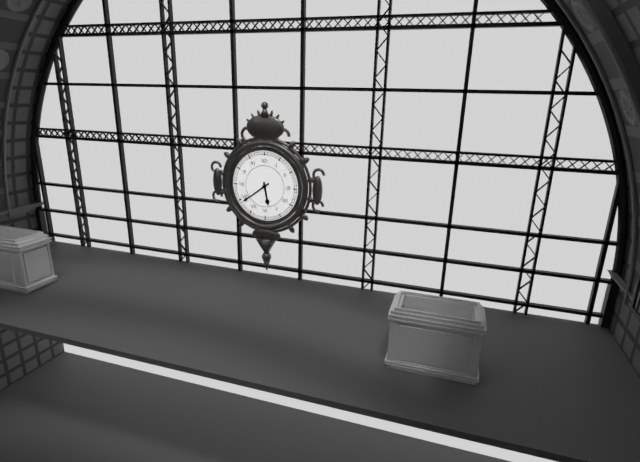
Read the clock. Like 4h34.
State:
5h39
